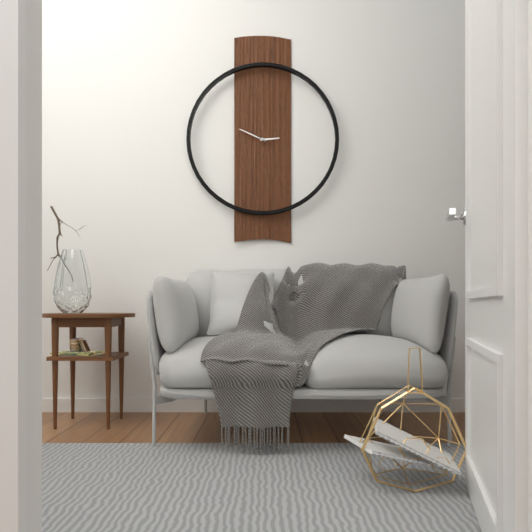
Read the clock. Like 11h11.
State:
2h49
